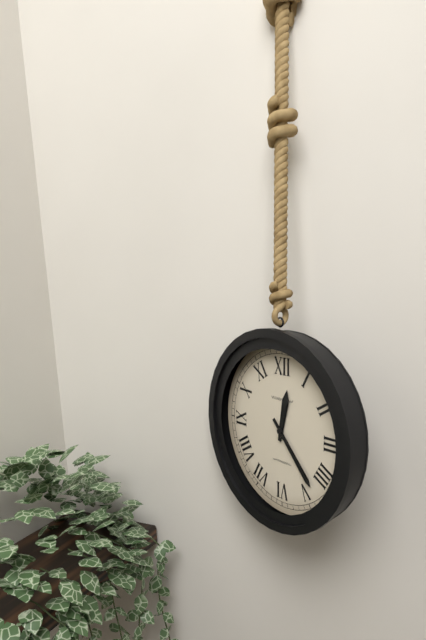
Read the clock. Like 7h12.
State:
12h23
